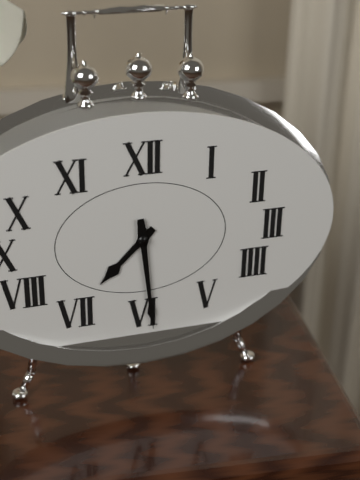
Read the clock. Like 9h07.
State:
7h29
